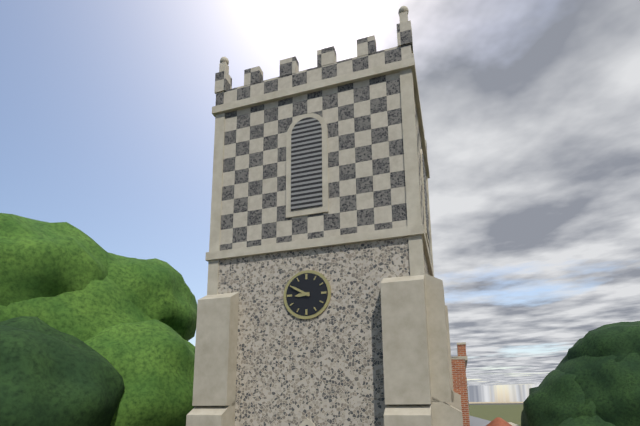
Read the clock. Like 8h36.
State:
8h50
